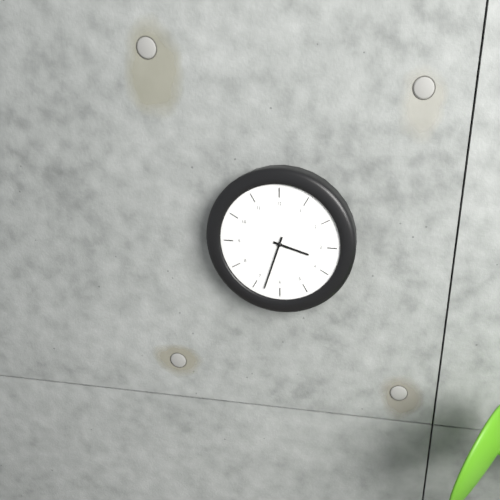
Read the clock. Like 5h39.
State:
3h33
